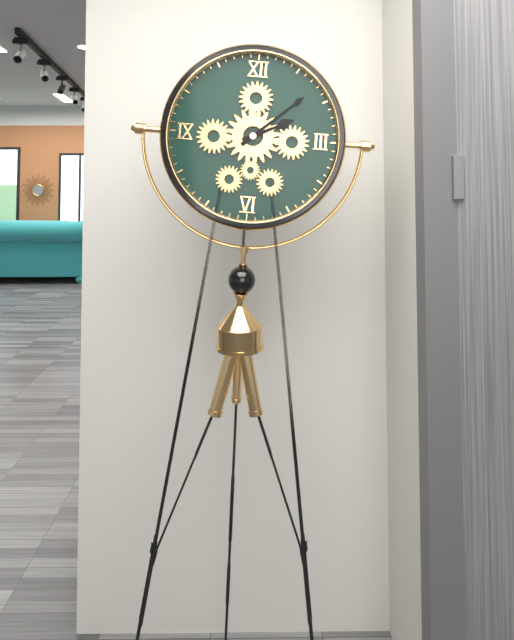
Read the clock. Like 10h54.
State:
2h08
